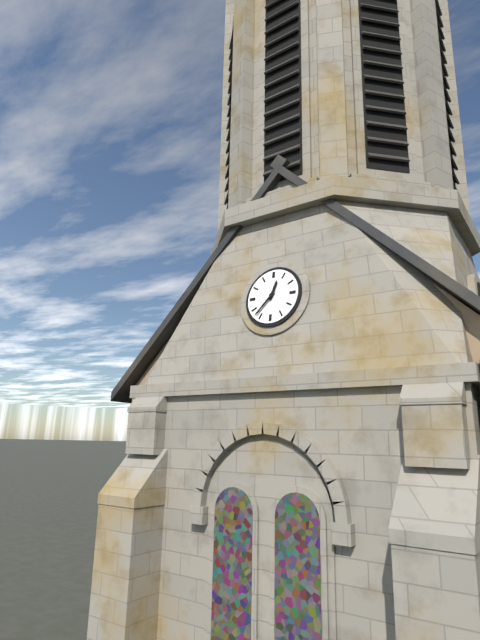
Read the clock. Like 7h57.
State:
12h37
